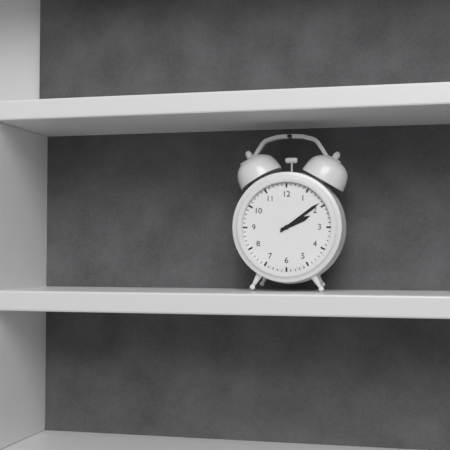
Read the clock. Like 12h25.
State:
2h09
